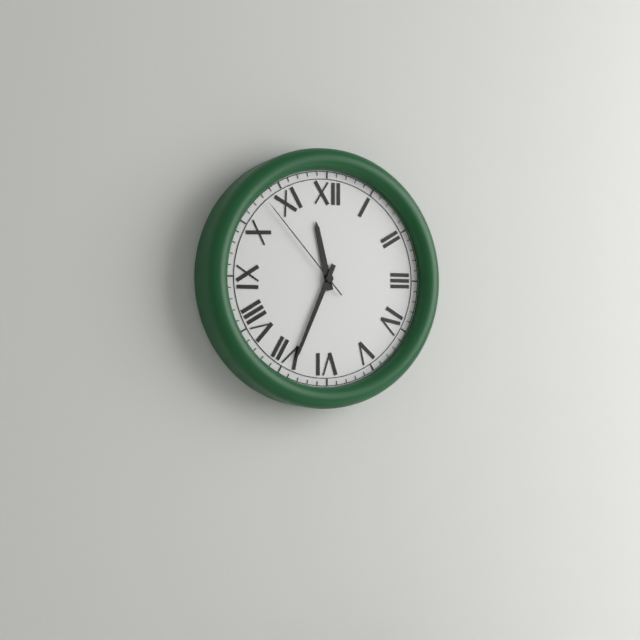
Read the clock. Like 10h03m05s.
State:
11h34m53s
